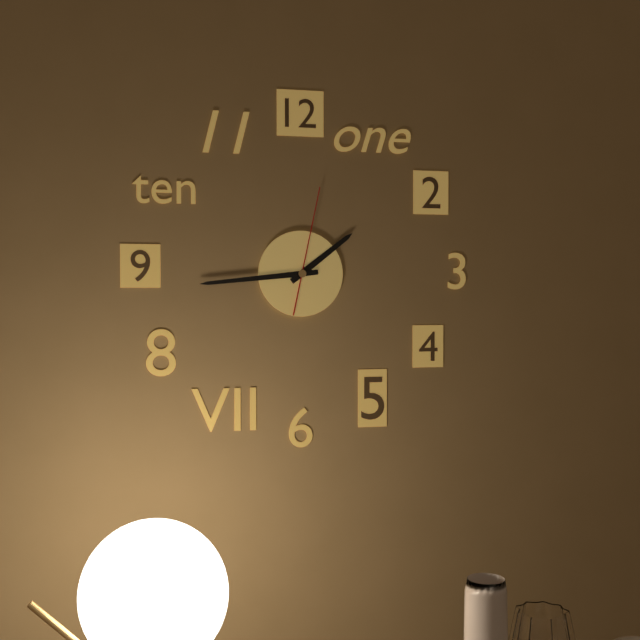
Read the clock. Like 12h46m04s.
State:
1h44m02s
